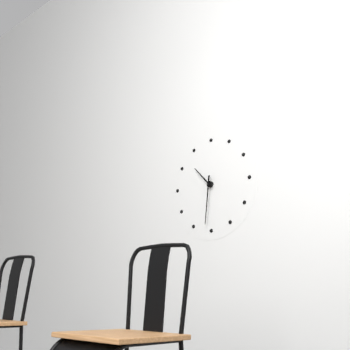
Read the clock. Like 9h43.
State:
10h31
